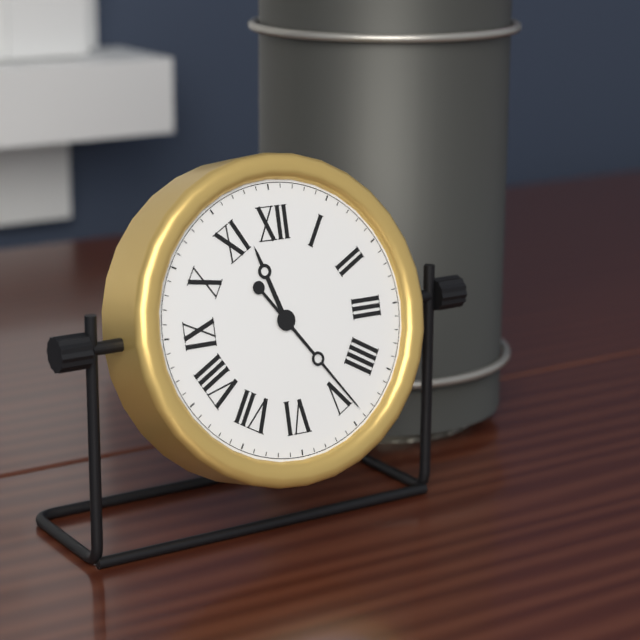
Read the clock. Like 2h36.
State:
11h24
